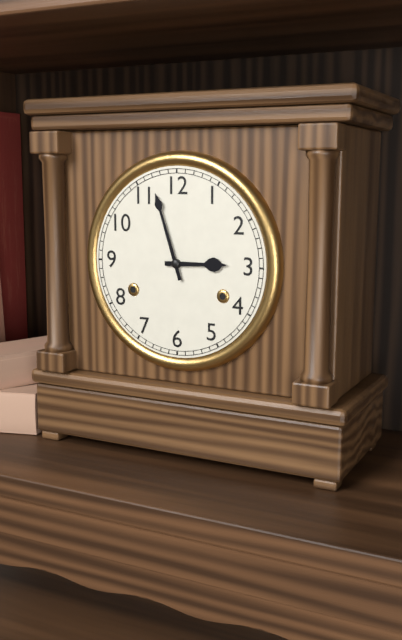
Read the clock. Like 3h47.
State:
2h57
